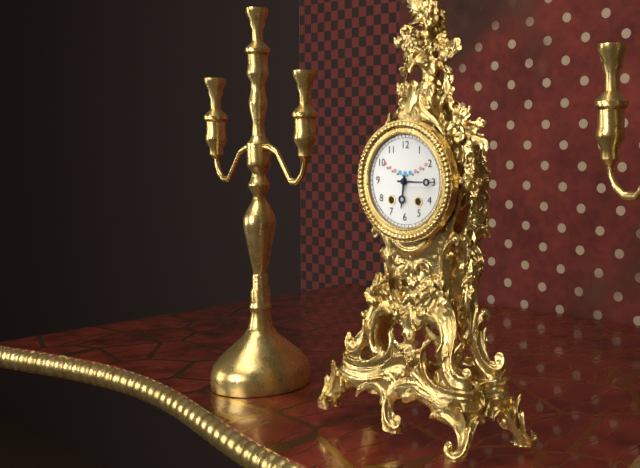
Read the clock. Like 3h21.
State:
6h15
